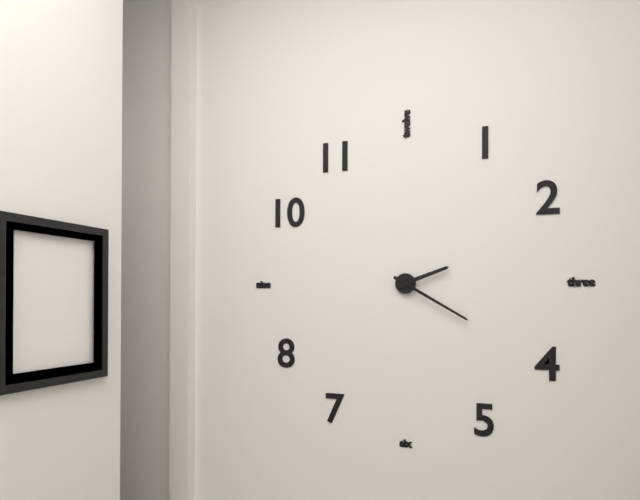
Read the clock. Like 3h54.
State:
2h20
